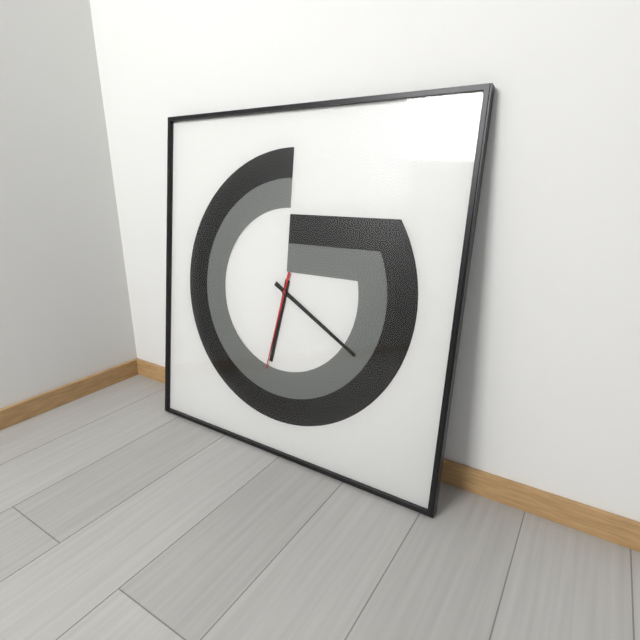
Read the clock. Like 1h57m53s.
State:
6h20m32s
